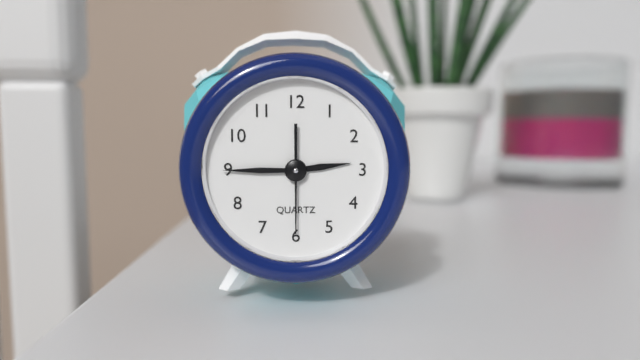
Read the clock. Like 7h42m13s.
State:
2h45m30s
